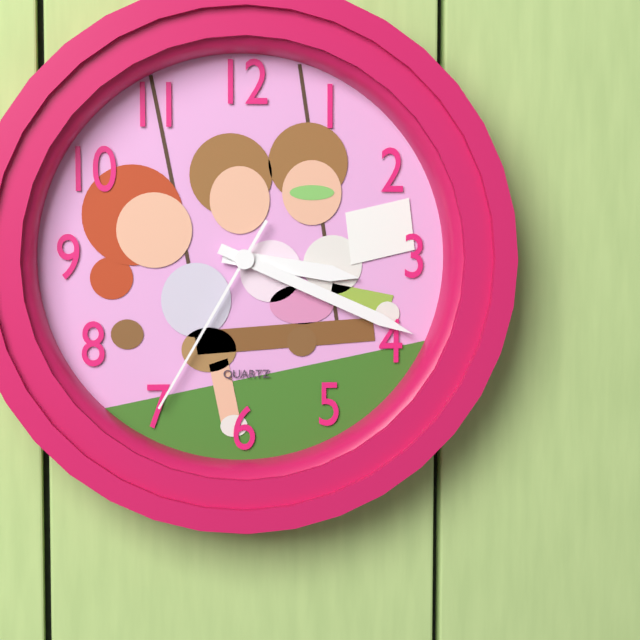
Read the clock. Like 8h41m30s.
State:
3h19m35s
